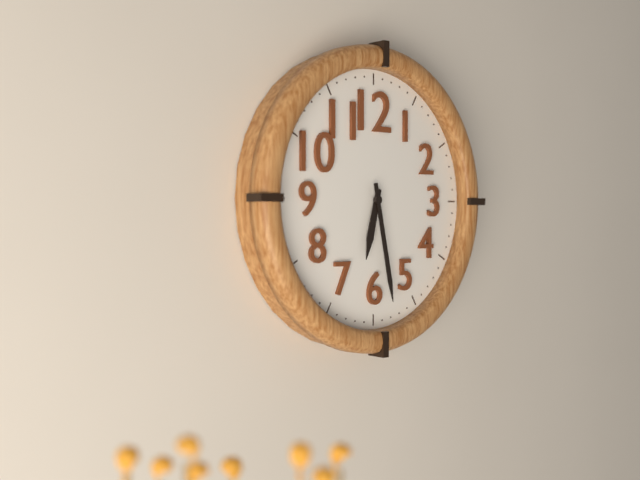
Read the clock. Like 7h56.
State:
6h28
